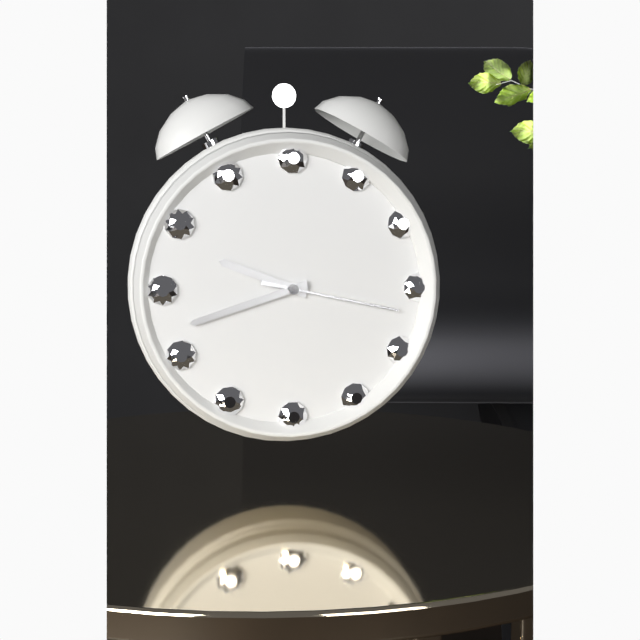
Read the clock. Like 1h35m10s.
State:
9h42m17s
